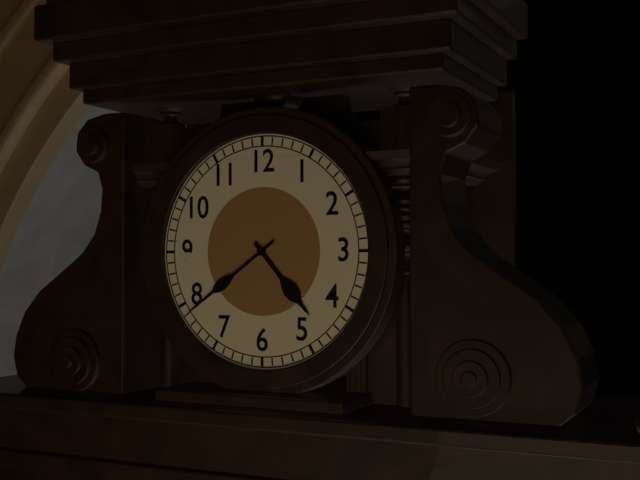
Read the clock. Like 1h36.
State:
4h39
